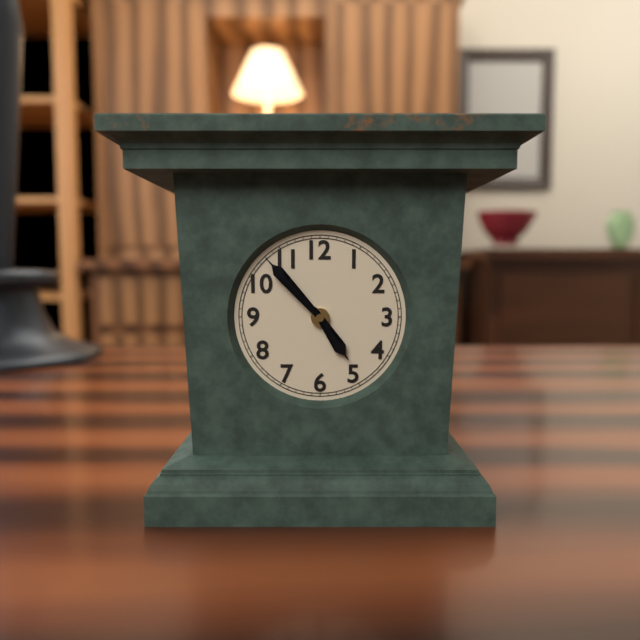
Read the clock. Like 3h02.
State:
4h53
